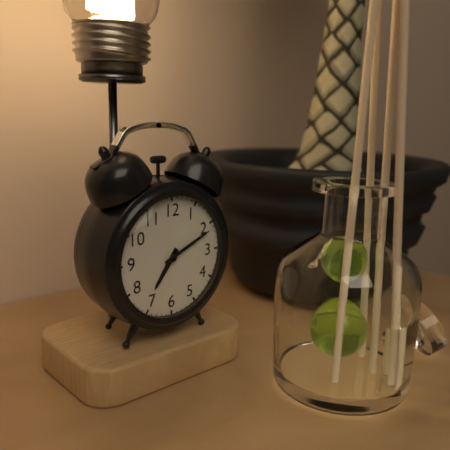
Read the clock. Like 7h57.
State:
7h11
